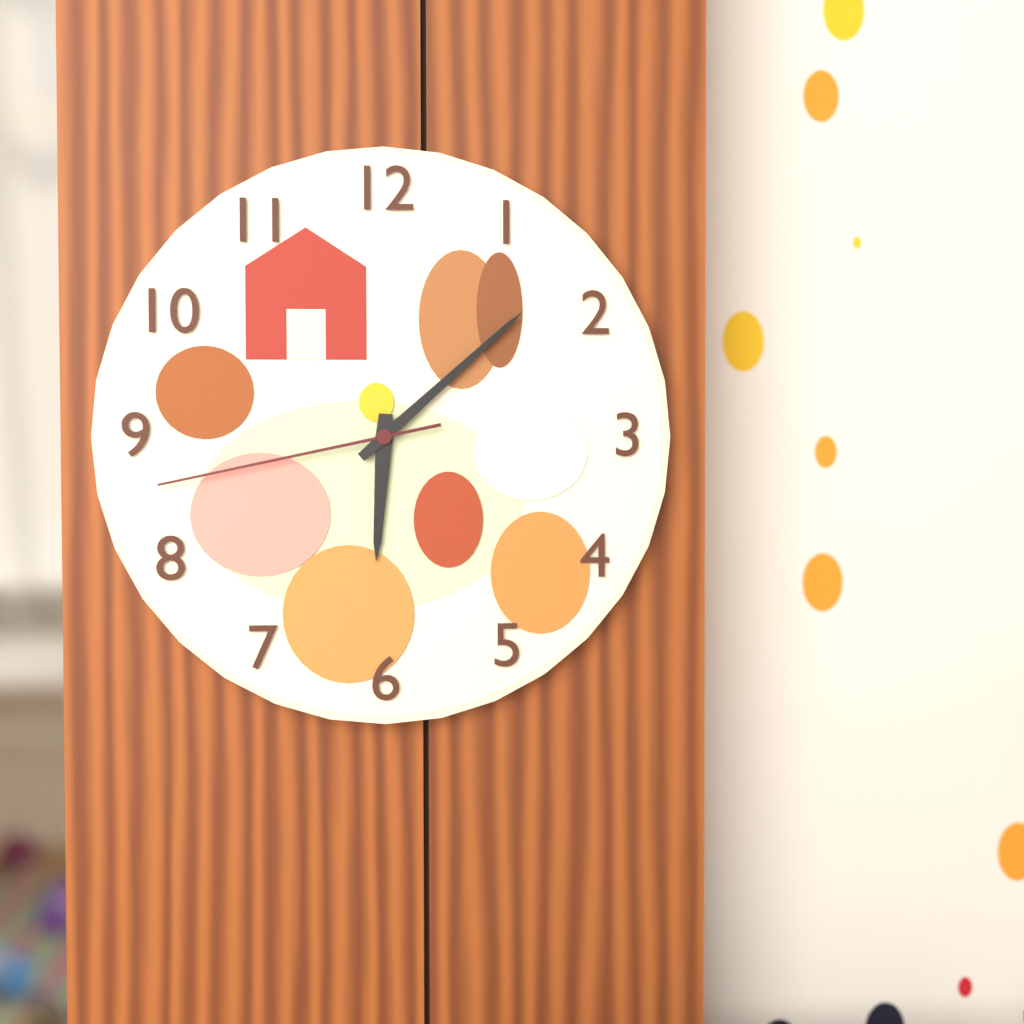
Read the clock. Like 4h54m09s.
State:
6h08m43s
